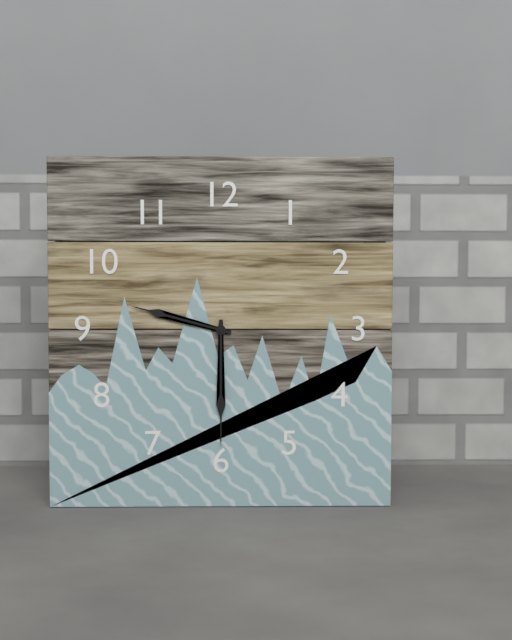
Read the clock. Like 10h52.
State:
9h30
